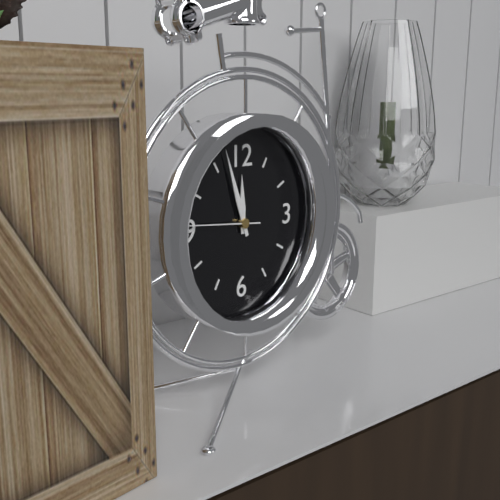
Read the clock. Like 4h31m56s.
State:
11h57m46s
